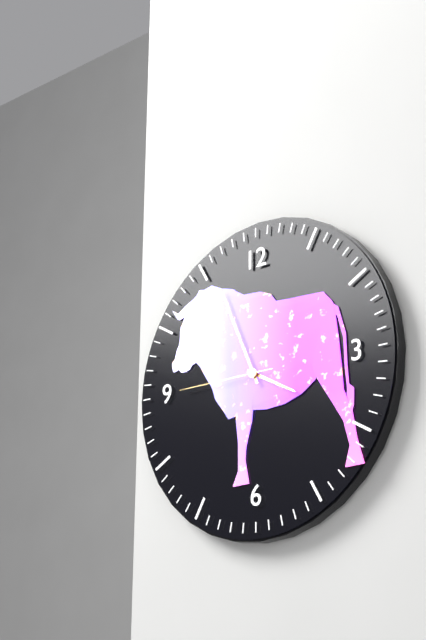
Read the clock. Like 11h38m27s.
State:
3h56m45s
